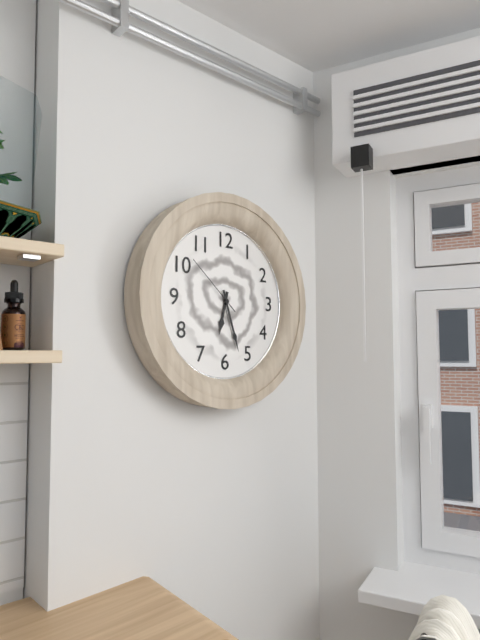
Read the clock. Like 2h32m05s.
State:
6h27m52s
